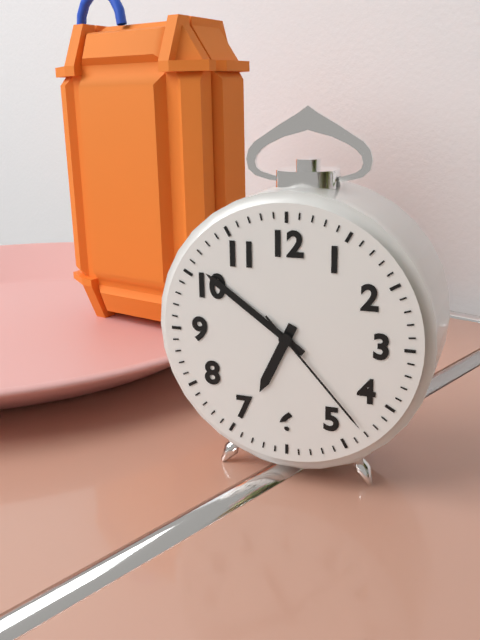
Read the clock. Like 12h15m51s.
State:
6h51m23s
